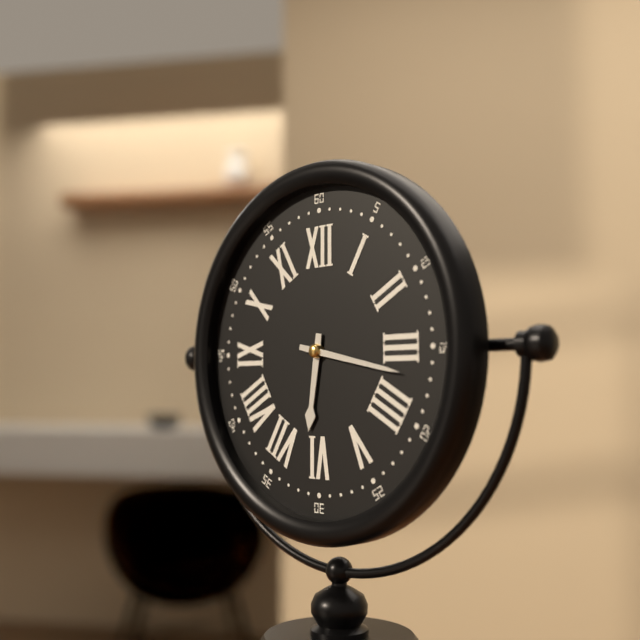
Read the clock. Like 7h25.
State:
6h17
